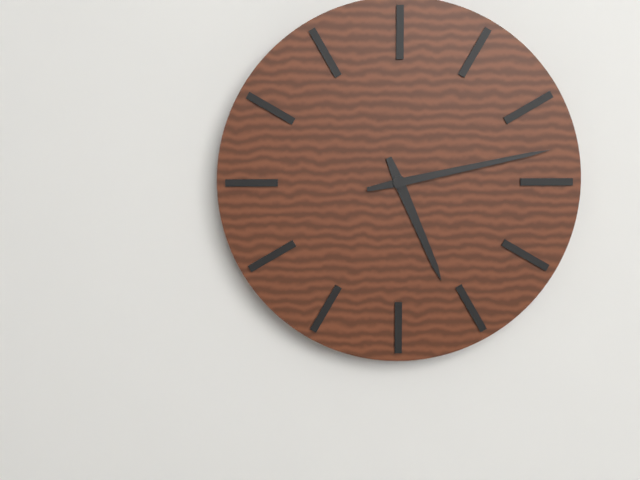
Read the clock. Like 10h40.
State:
5h13
